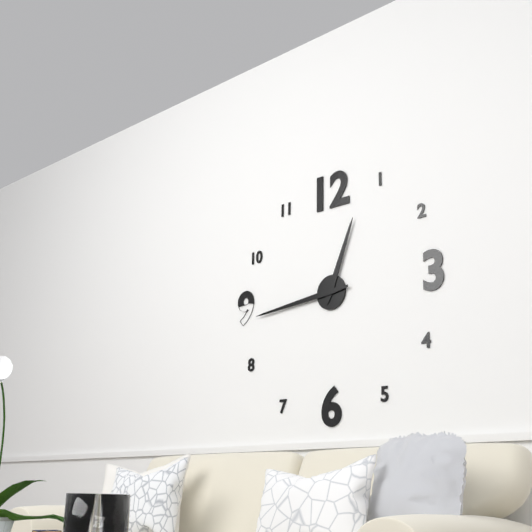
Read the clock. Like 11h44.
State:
12h44
